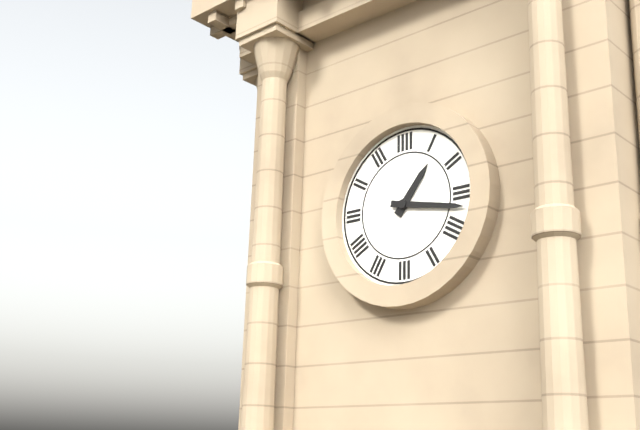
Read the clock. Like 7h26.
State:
1h17
